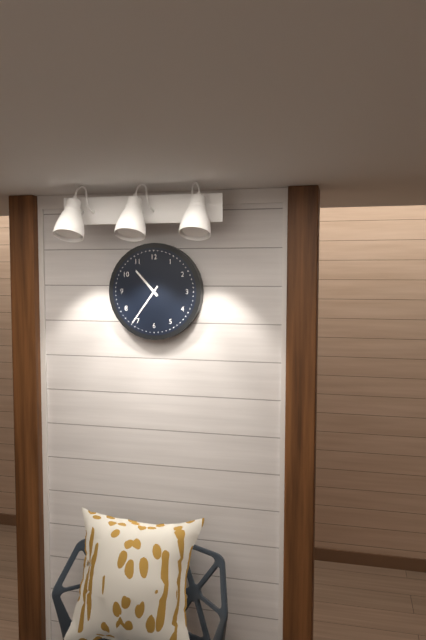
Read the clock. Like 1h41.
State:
10h36
